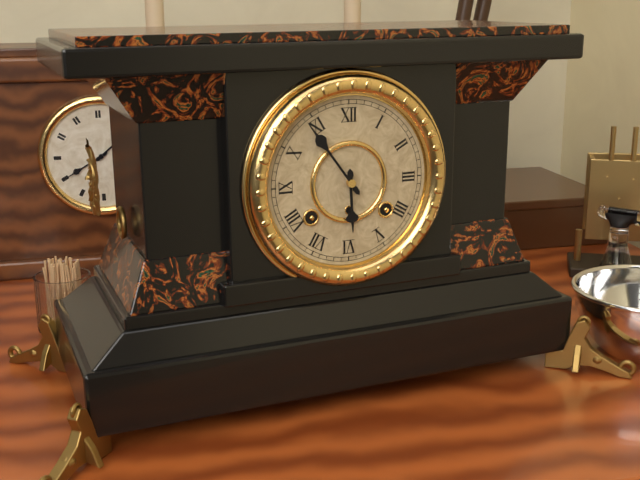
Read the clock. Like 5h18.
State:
5h54
